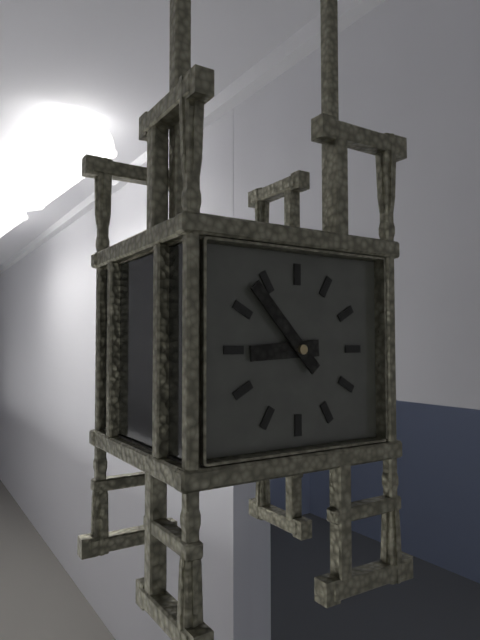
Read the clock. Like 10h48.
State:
8h53
